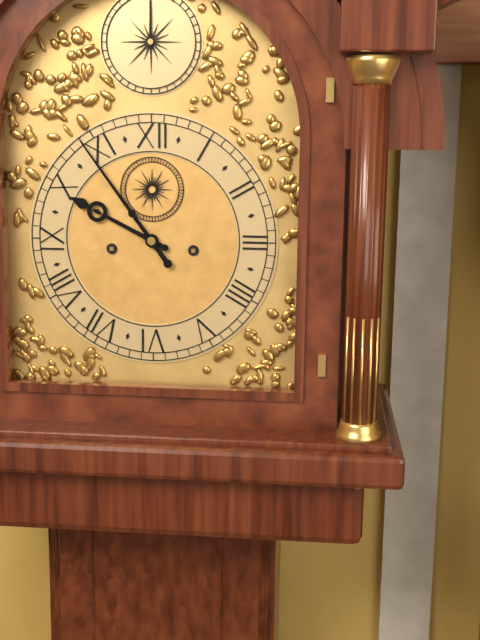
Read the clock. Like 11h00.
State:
9h54
